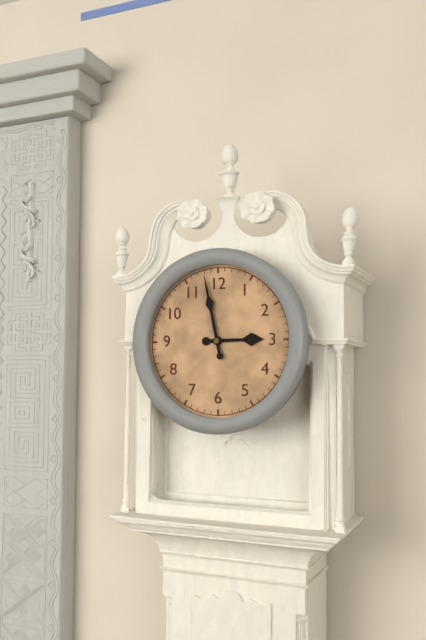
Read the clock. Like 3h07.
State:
2h58
